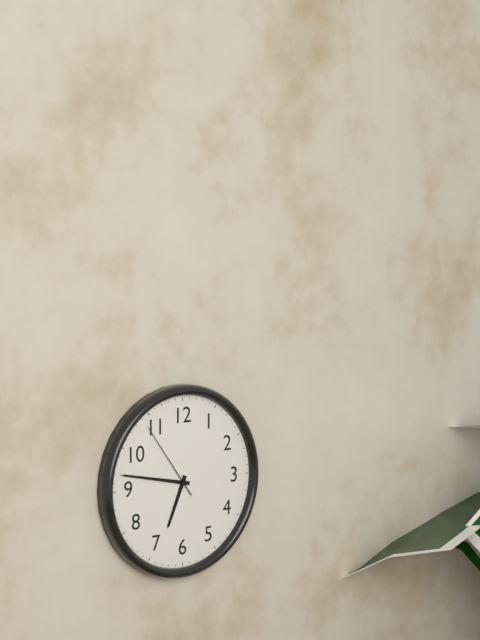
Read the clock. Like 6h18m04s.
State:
6h47m54s
